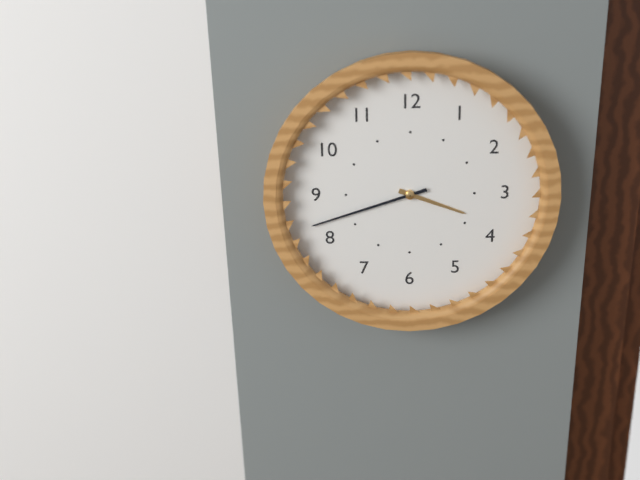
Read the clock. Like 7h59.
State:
3h42
